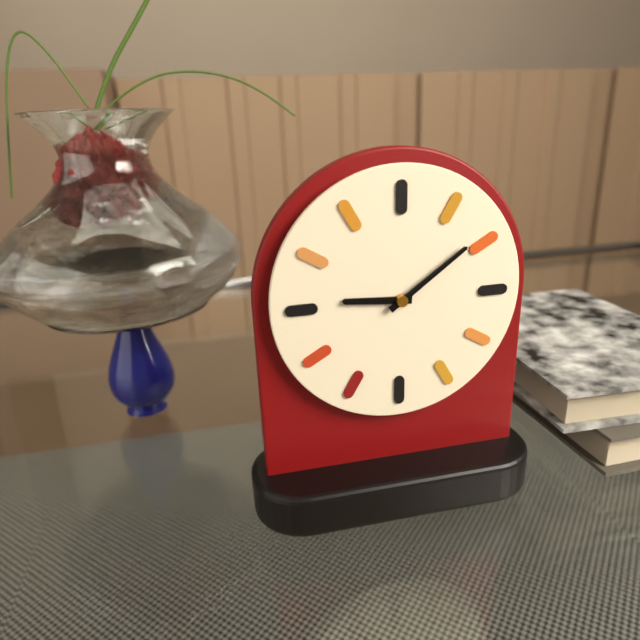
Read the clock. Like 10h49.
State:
9h09
